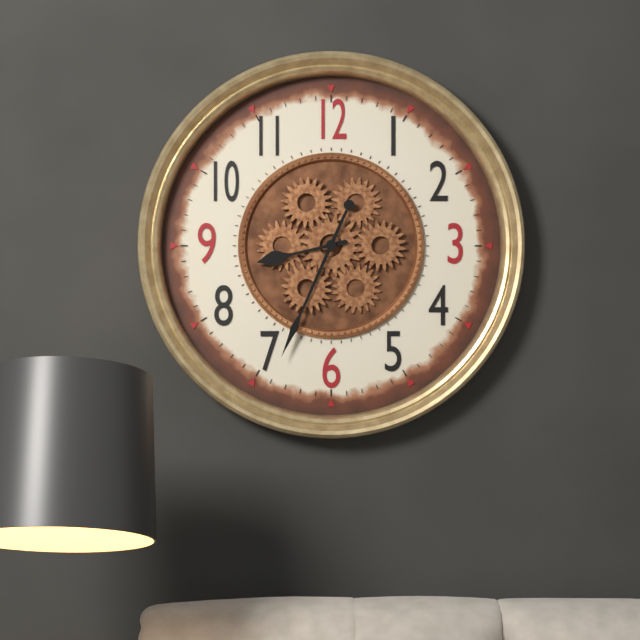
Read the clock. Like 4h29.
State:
8h34
